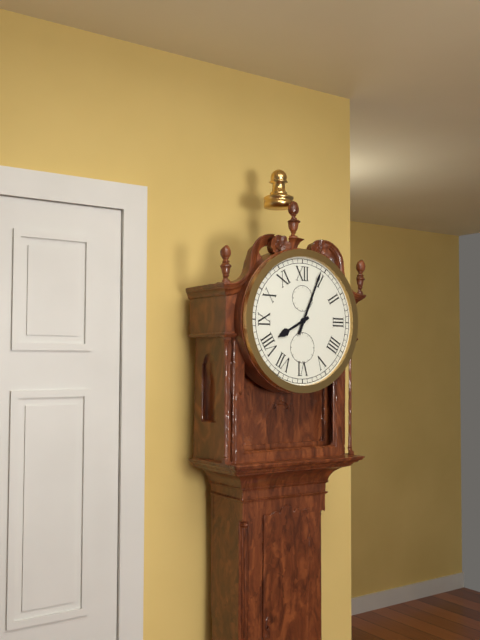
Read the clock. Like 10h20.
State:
8h04
